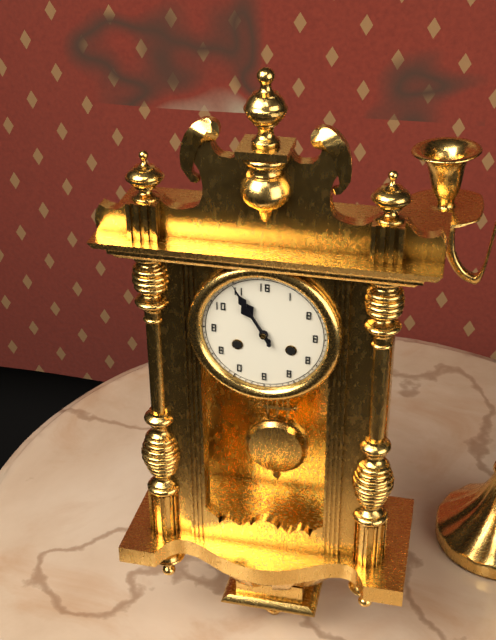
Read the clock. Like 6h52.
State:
10h55
